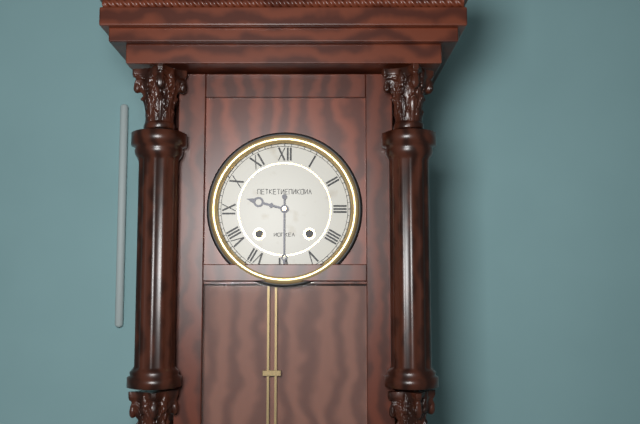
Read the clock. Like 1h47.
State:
9h30
